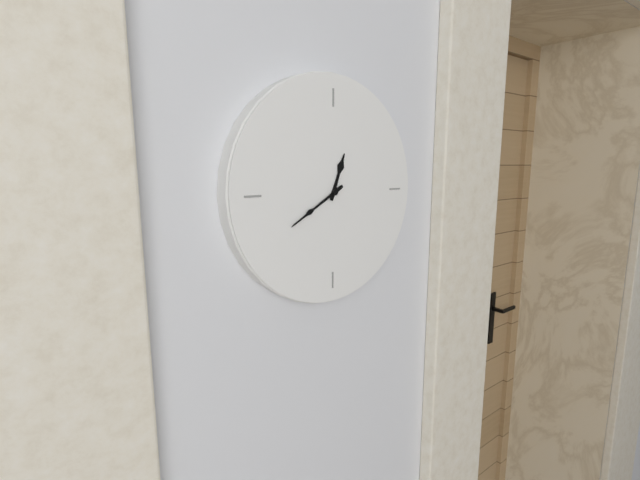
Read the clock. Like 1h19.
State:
12h40
